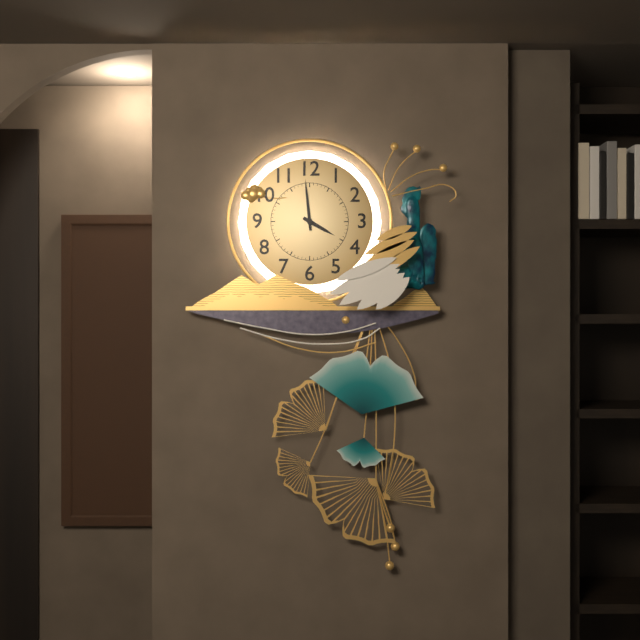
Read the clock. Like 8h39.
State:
3h59
